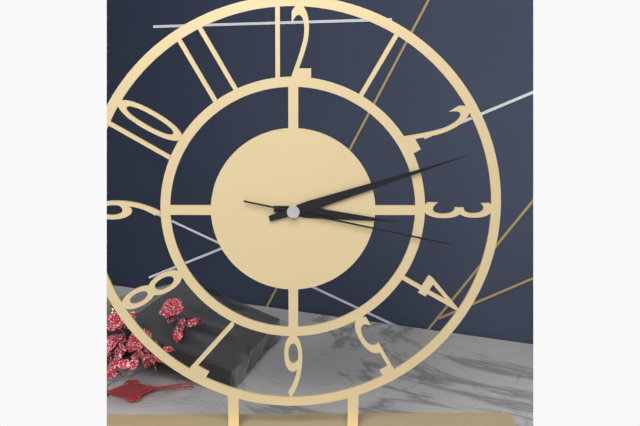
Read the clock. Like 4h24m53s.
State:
3h12m17s
